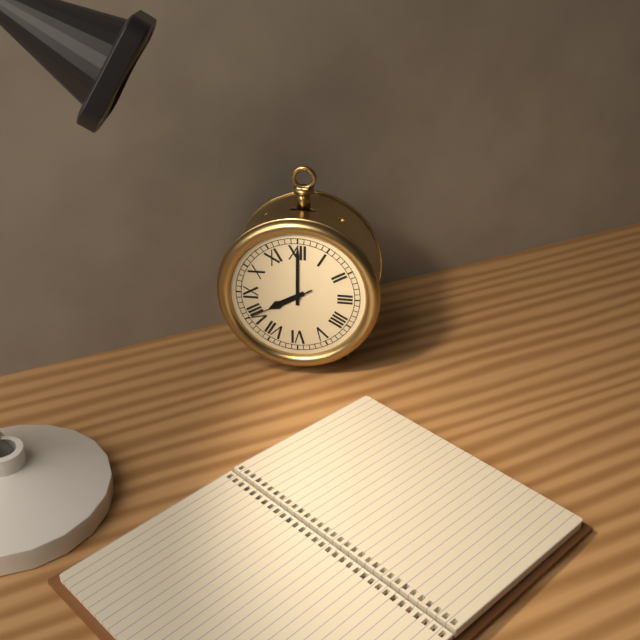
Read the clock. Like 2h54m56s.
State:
8h00m40s
